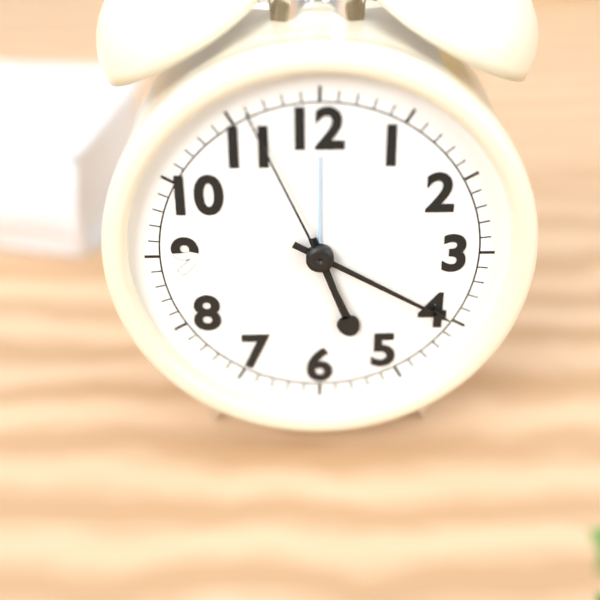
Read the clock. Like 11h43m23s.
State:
5h20m56s
